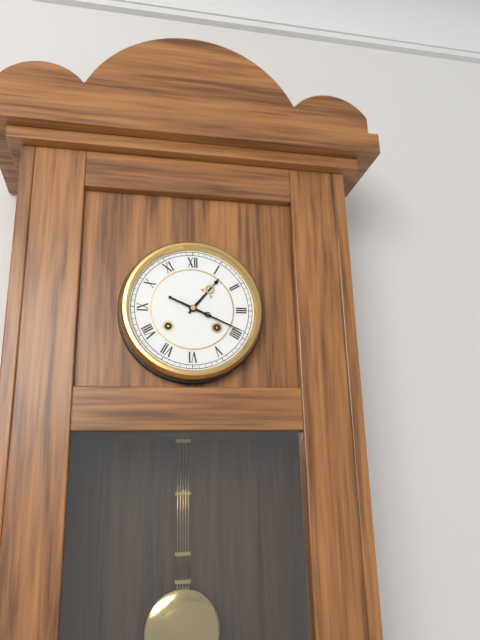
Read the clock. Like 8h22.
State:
1h19
